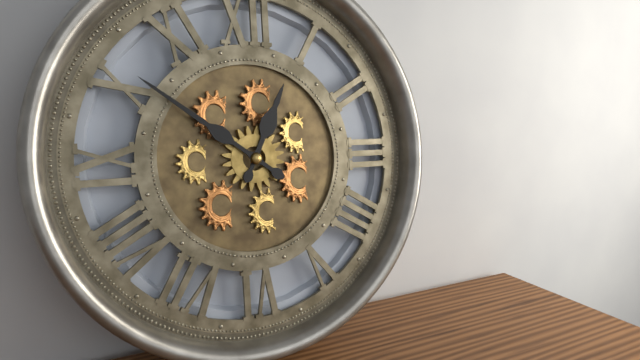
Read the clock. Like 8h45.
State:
12h51
